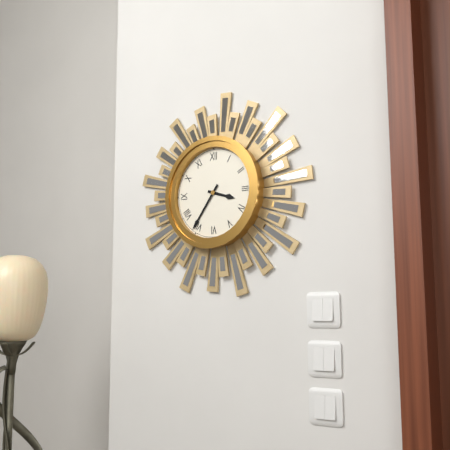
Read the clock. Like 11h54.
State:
3h36
